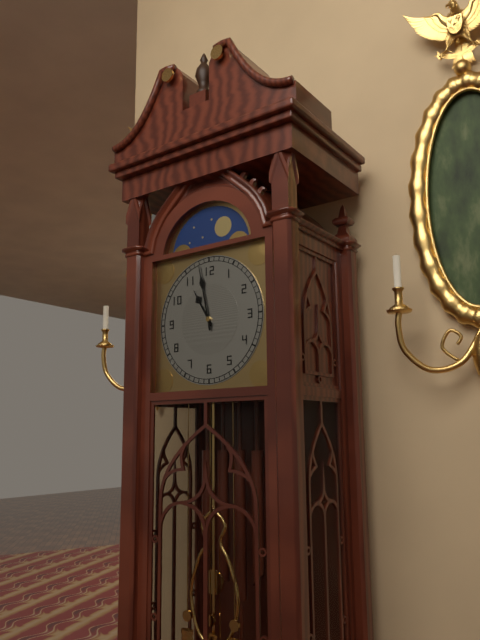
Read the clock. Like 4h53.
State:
10h58
